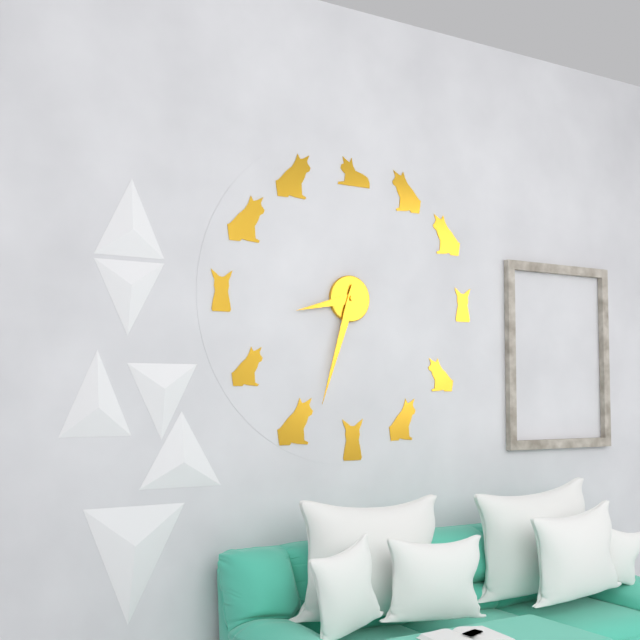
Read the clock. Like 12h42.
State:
8h33
